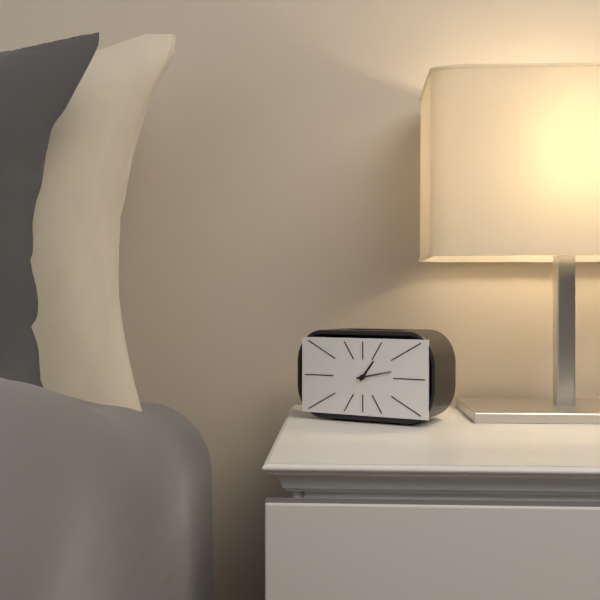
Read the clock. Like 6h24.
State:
1h13
